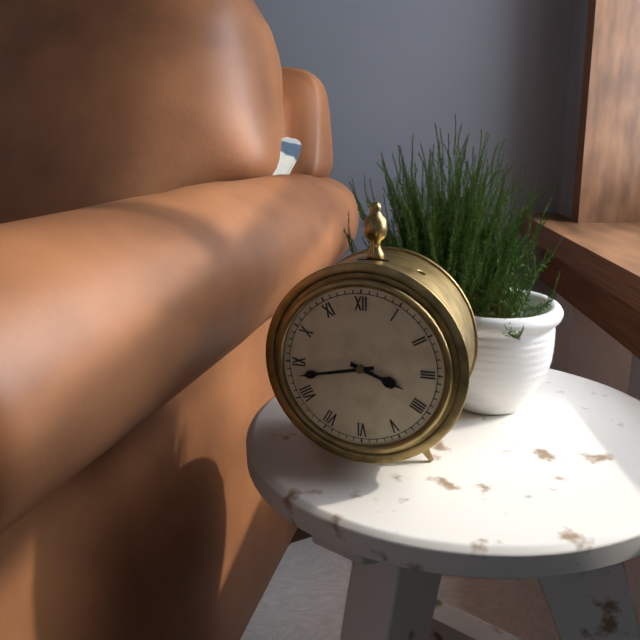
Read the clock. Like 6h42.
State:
3h43
